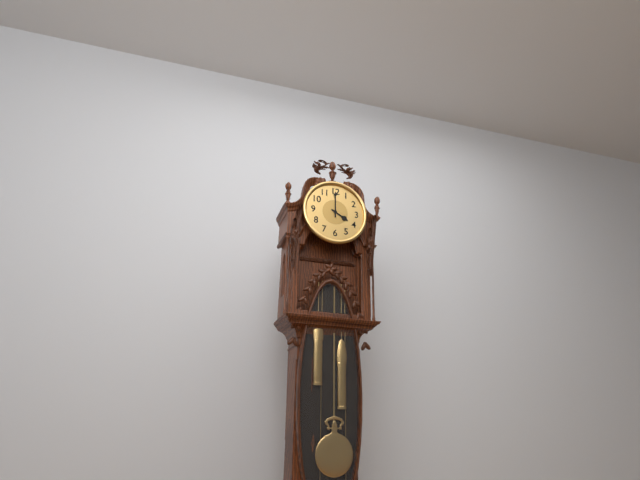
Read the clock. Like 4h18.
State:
4h00
